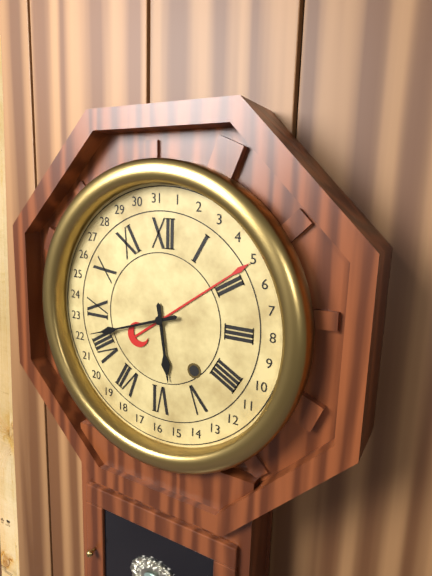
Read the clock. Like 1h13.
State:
5h42
